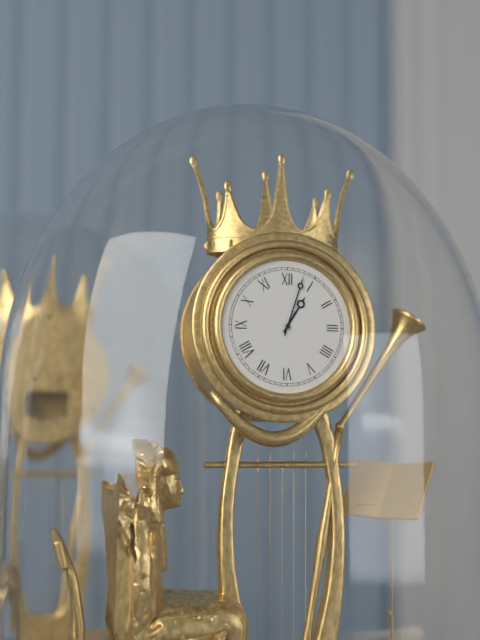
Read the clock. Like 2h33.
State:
1h03
